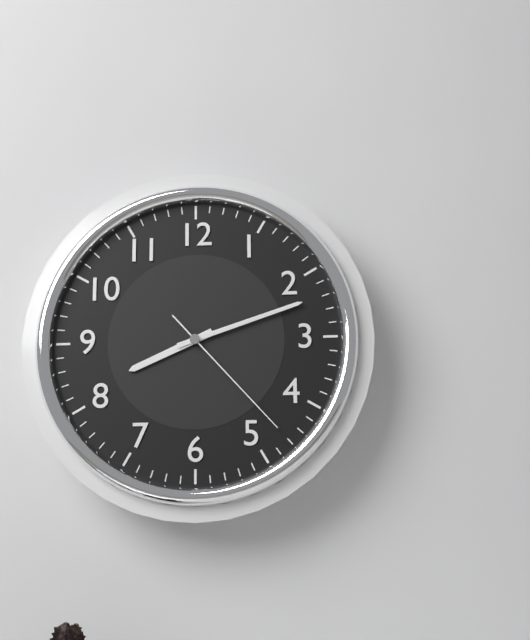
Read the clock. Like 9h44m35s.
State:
8h12m23s
